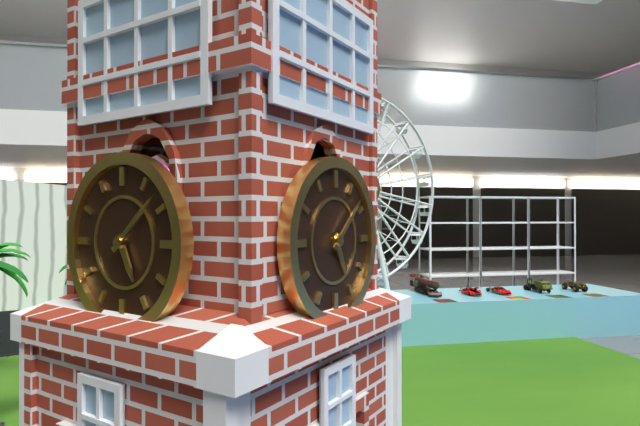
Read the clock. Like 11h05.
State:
5h08
